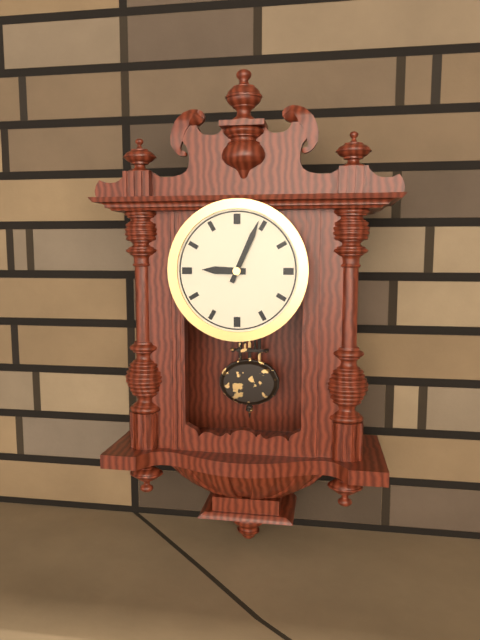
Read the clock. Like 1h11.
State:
9h04
